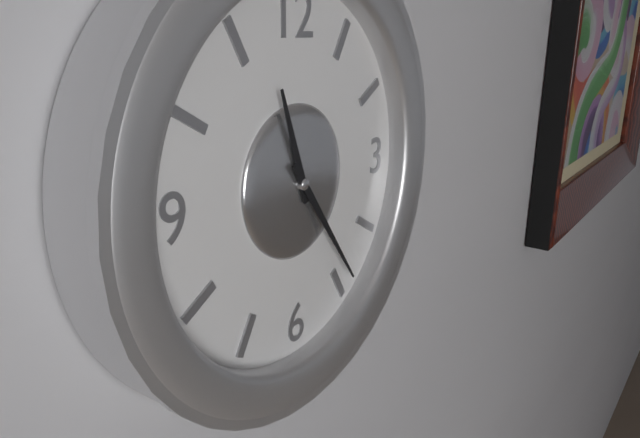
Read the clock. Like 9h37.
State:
11h24
